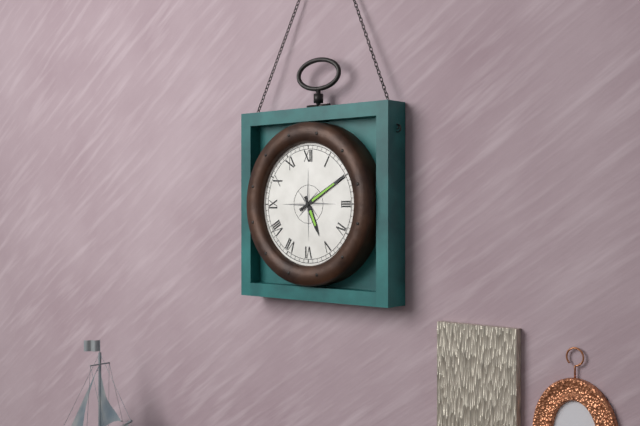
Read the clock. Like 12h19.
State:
5h10
